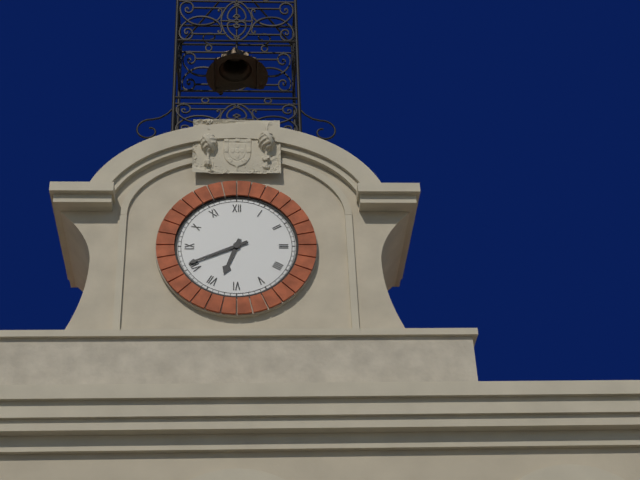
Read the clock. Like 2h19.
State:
6h41
